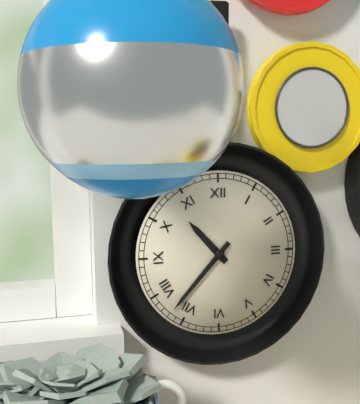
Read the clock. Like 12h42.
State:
10h37
